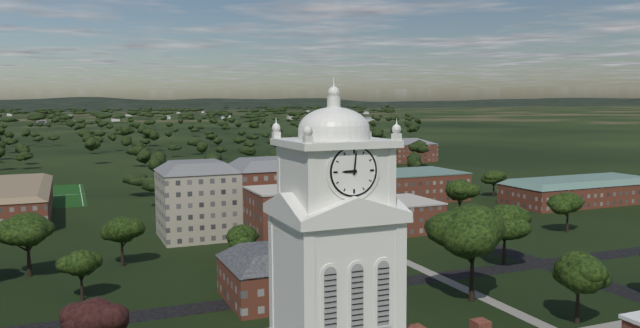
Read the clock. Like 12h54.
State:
9h01
